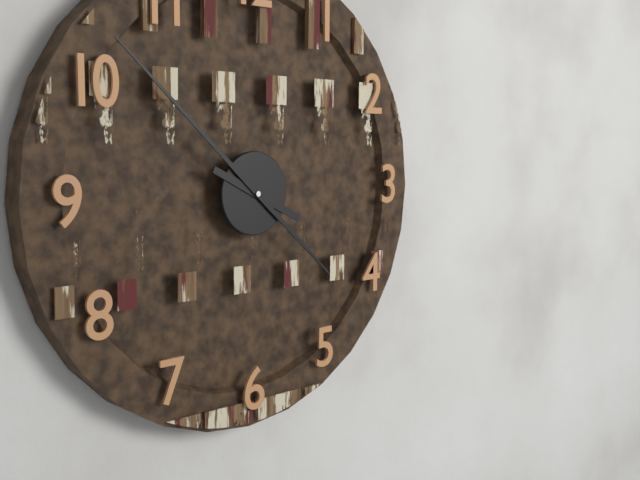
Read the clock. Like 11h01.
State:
3h52
